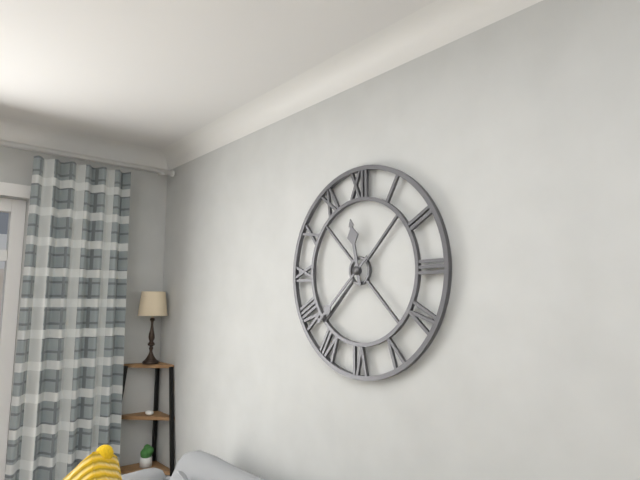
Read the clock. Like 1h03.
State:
11h38
